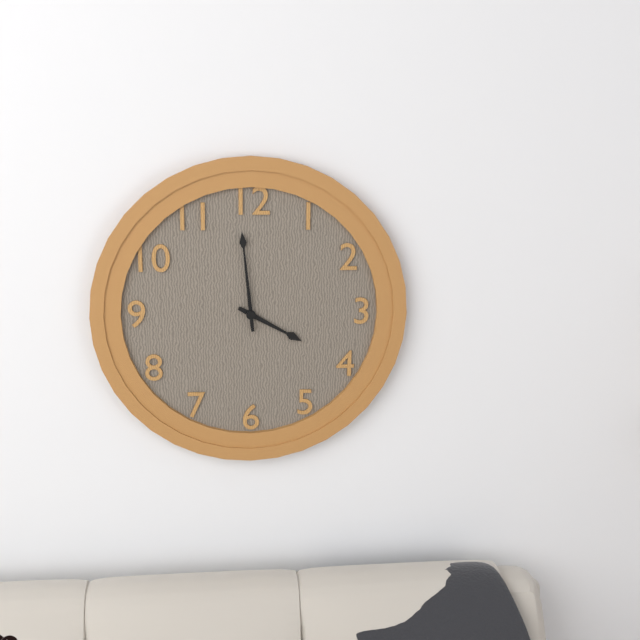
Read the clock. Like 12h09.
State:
3h59
